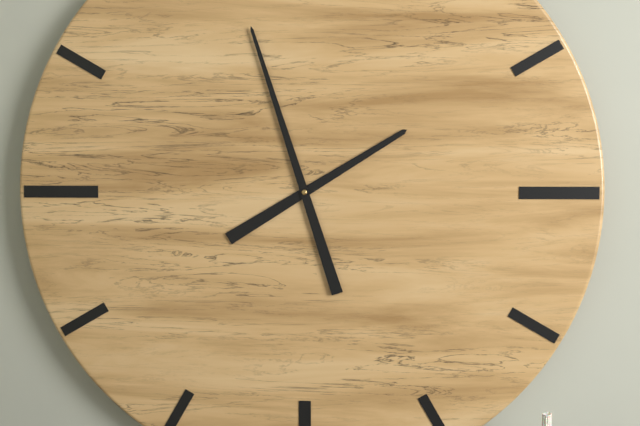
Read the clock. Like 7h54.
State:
1h57
